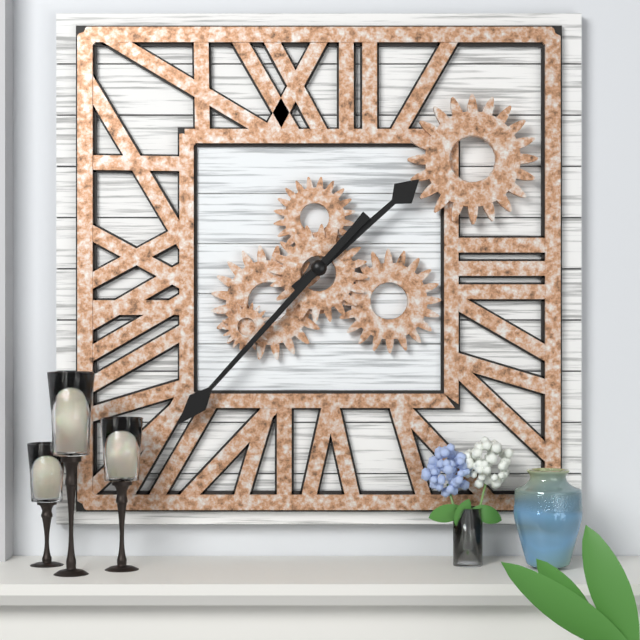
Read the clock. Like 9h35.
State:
1h37
